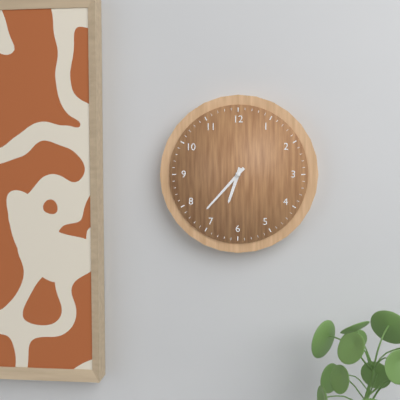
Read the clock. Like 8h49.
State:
6h37
